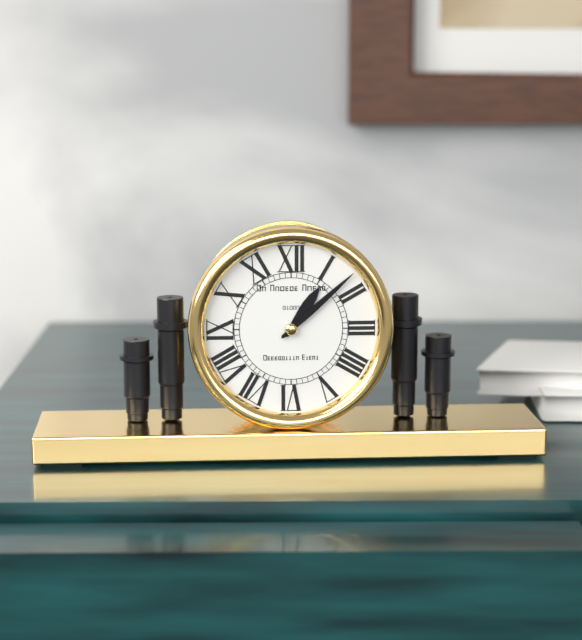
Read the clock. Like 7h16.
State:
1h08
